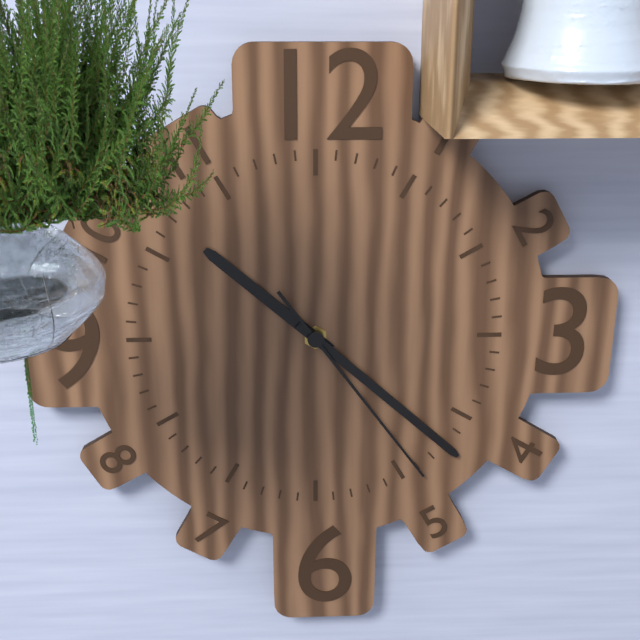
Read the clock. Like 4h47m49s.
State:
10h22m24s
